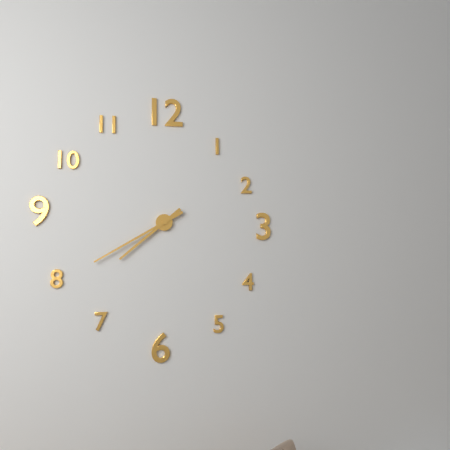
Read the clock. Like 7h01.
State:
7h40
